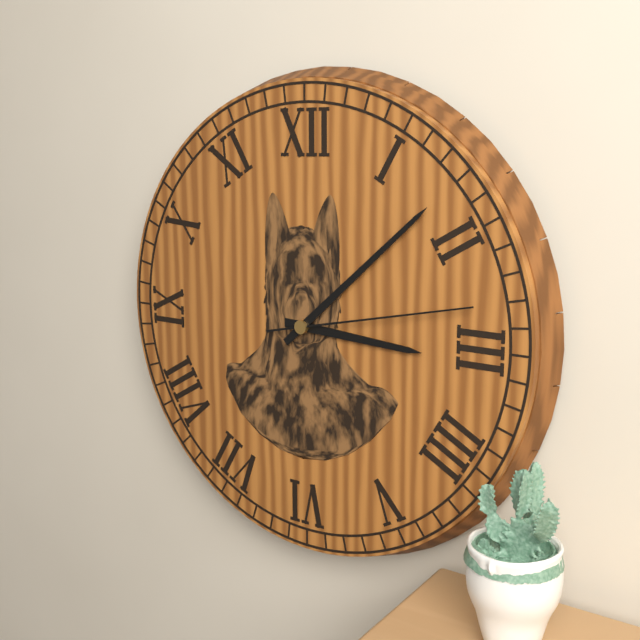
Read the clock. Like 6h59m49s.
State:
3h08m13s
